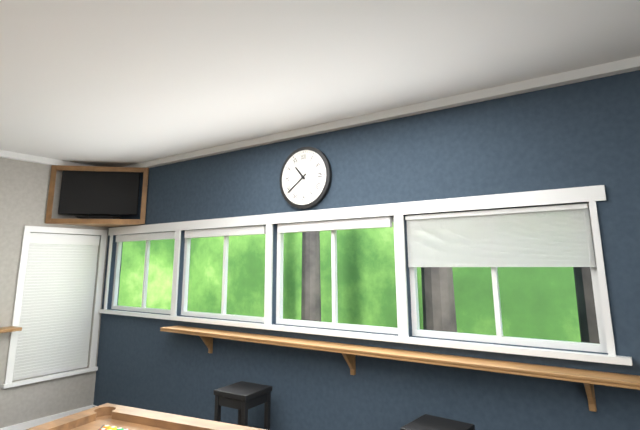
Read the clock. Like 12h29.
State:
10h39
